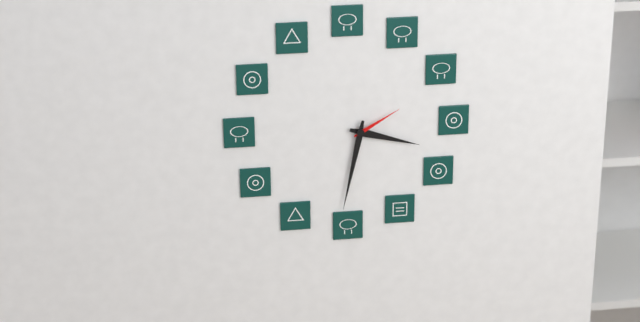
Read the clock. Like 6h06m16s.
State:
3h32m10s
